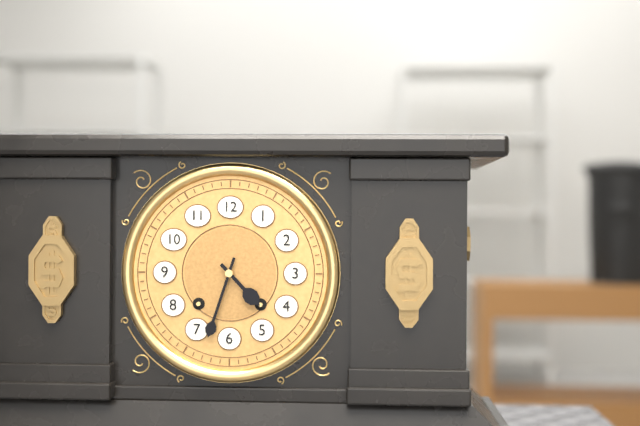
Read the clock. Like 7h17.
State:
4h33
